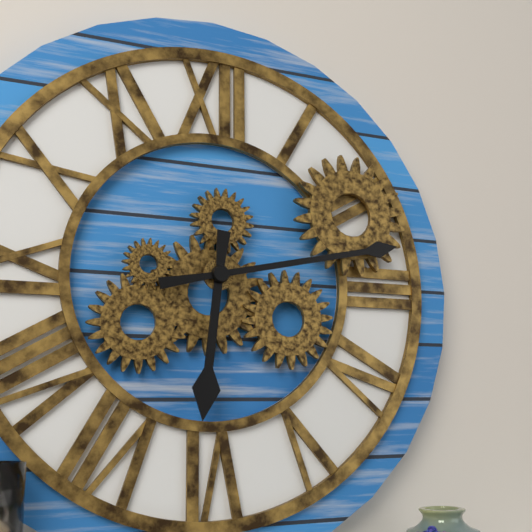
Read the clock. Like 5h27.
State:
6h13
